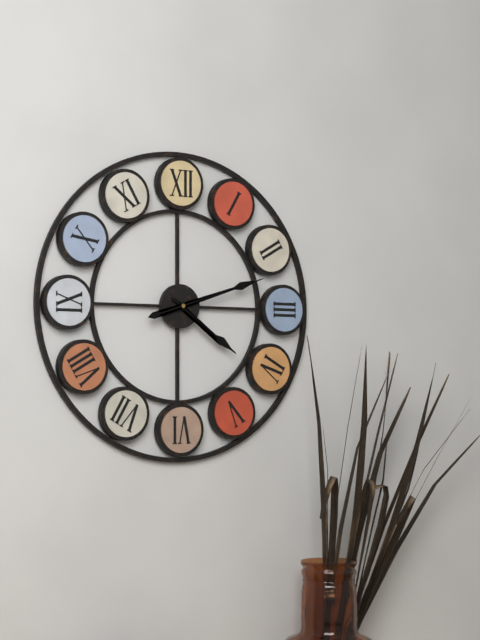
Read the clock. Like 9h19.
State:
4h12
